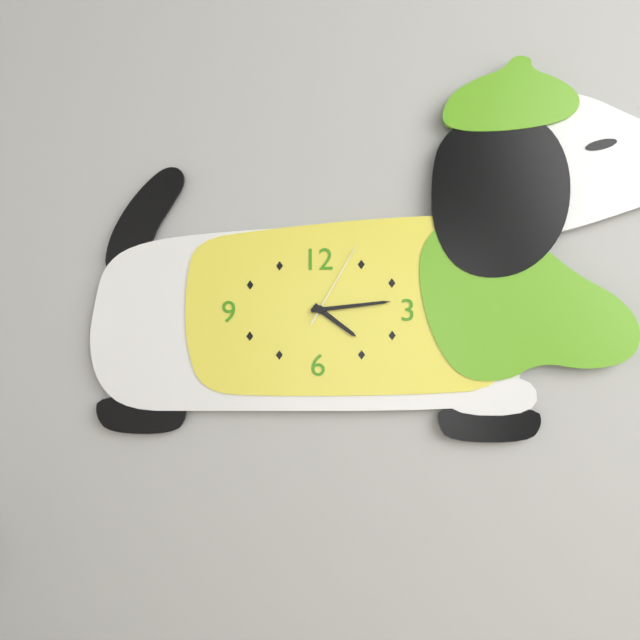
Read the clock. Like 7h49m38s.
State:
4h14m05s
